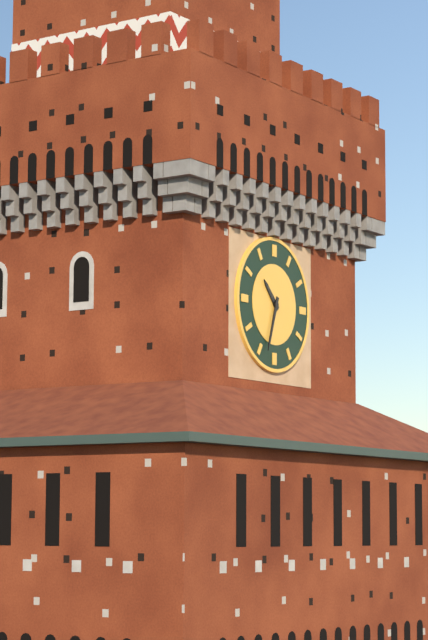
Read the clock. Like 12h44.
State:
10h33
